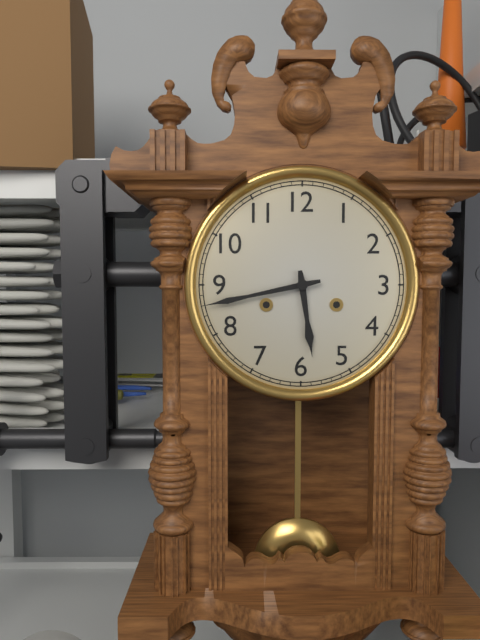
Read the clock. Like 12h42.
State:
5h43
